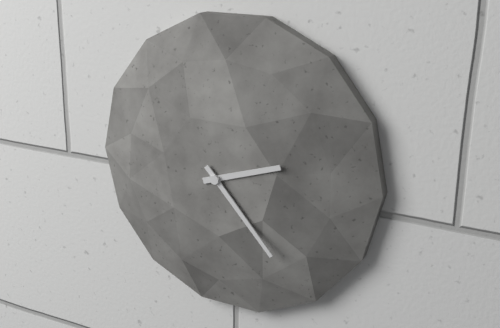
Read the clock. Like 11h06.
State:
2h23
